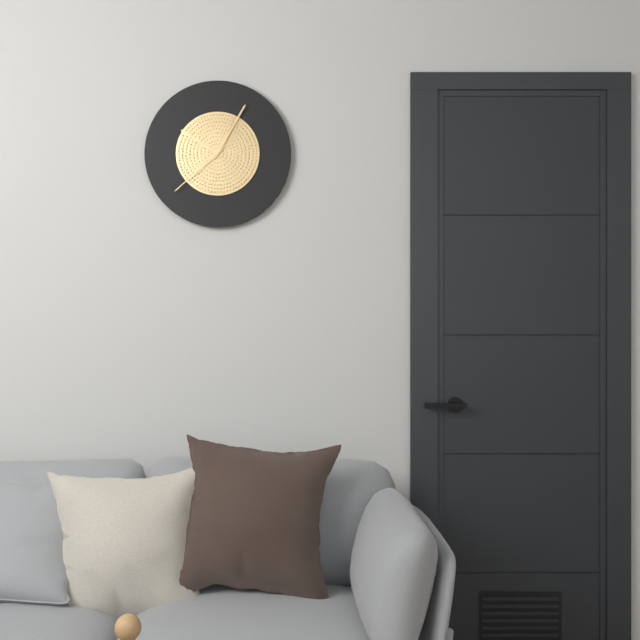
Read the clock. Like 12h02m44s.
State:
10h05m38s
